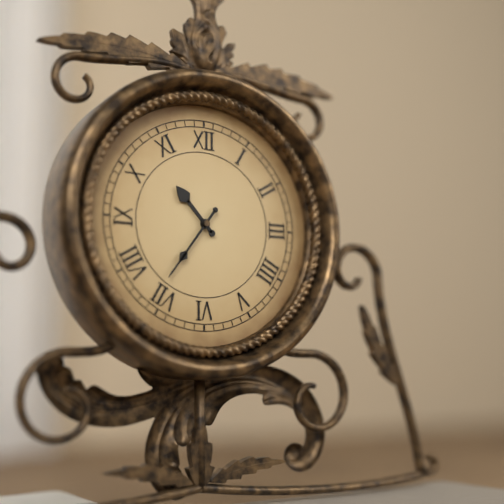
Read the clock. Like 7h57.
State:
10h36
